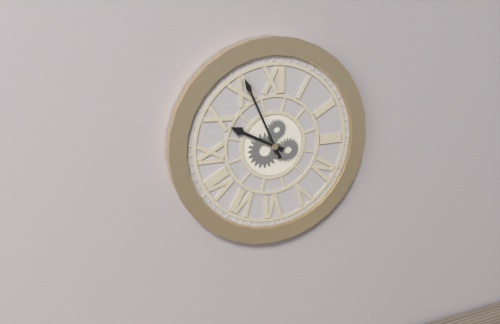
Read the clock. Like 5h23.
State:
9h56
